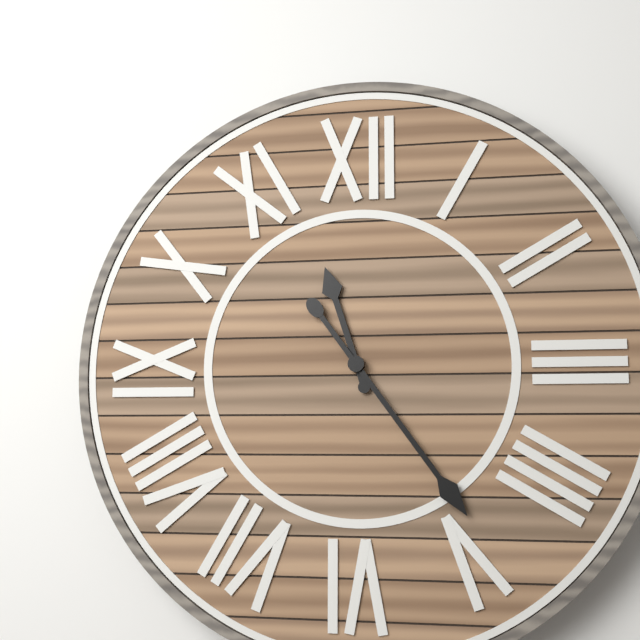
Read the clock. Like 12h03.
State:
11h24
